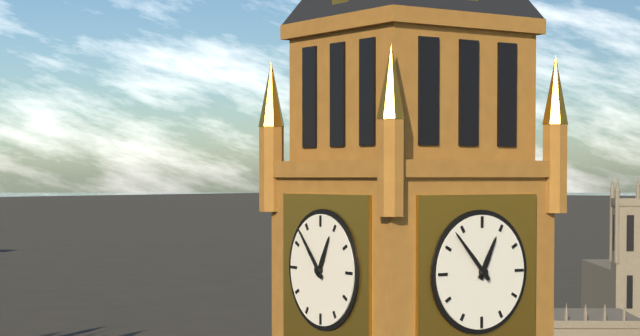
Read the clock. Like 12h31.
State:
12h53
